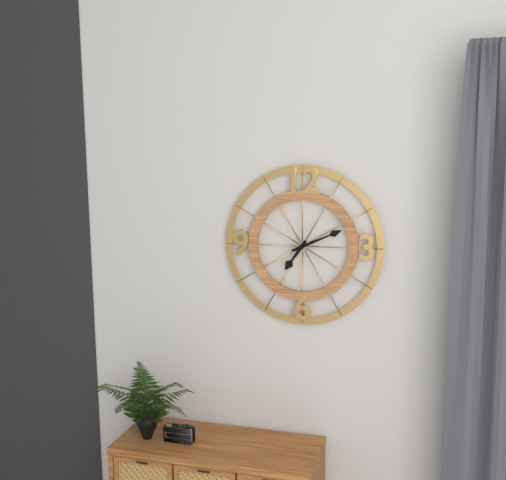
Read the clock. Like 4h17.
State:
7h11
